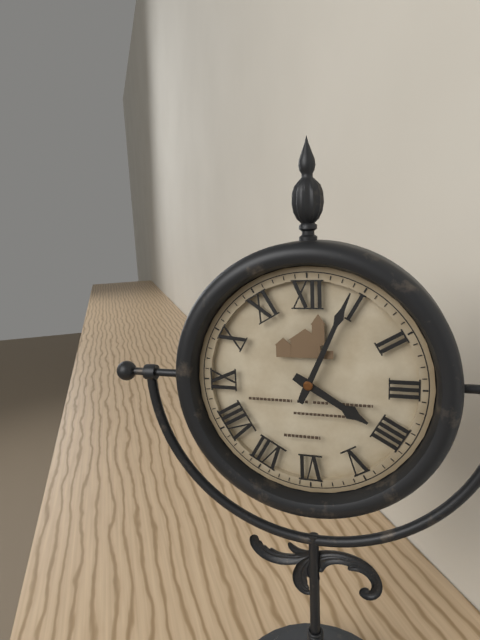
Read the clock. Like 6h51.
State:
4h04
